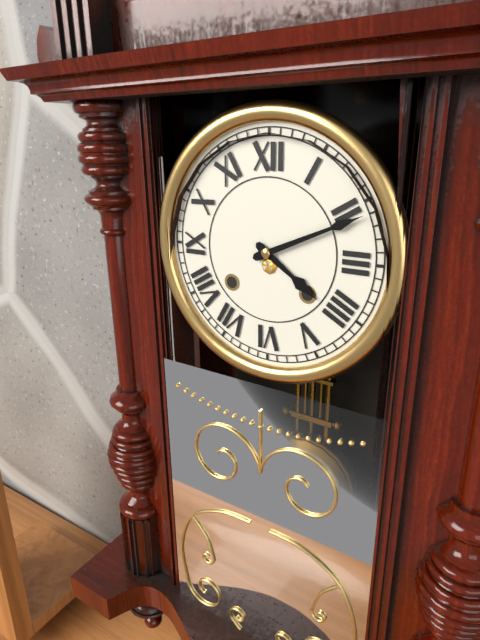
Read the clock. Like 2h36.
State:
4h11
